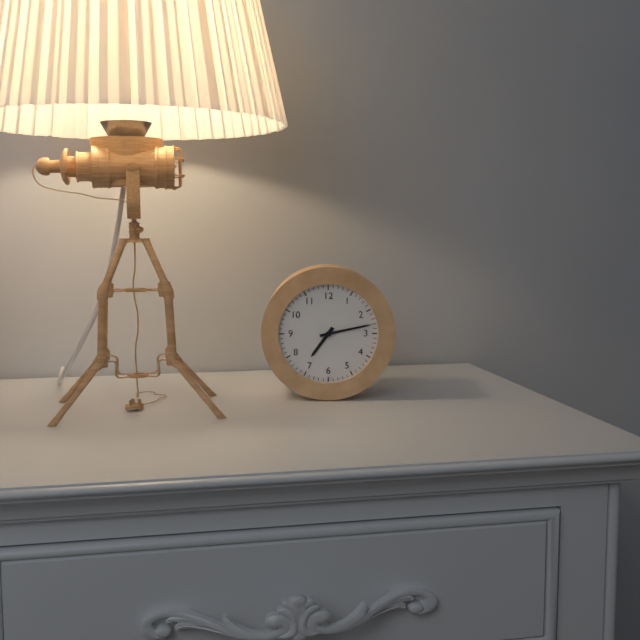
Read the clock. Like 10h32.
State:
7h13
